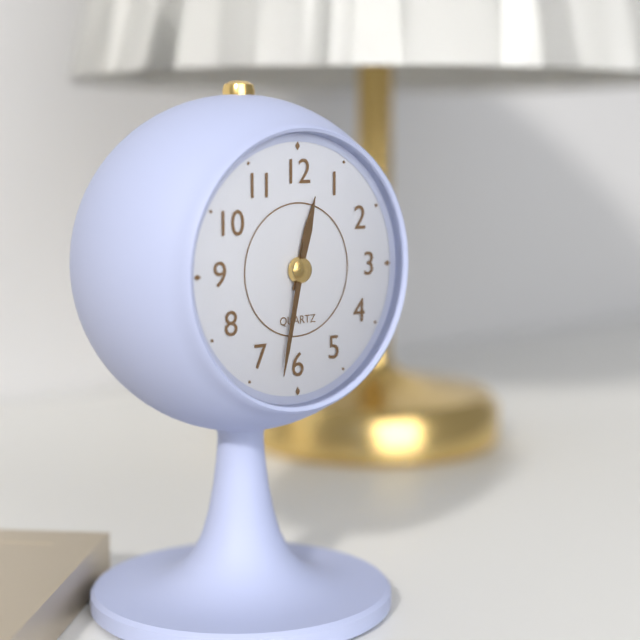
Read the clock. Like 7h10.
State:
12h32
